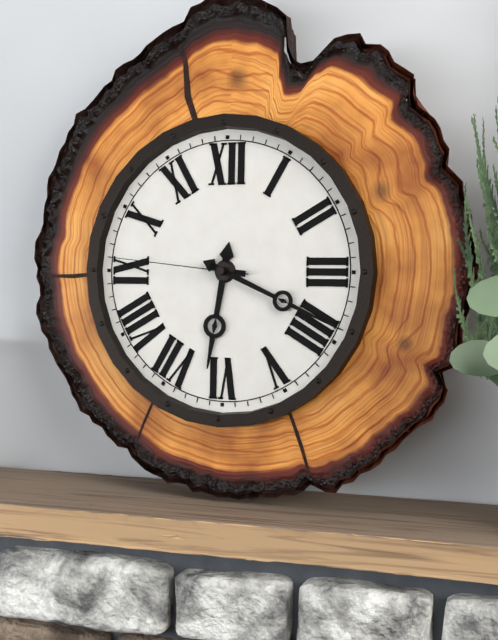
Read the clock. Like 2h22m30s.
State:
6h19m46s
